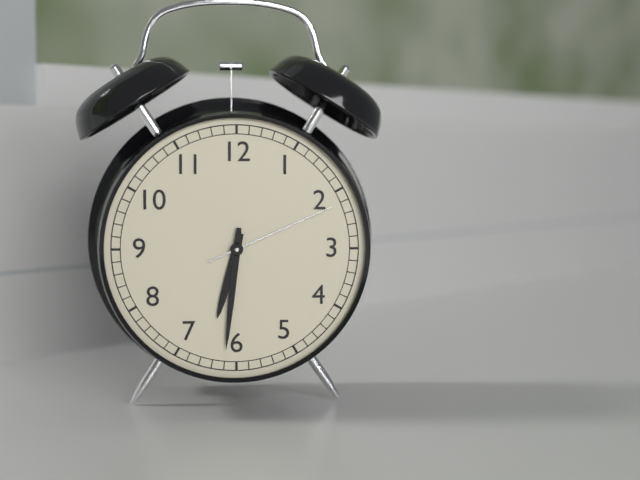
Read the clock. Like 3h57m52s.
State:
6h31m11s
